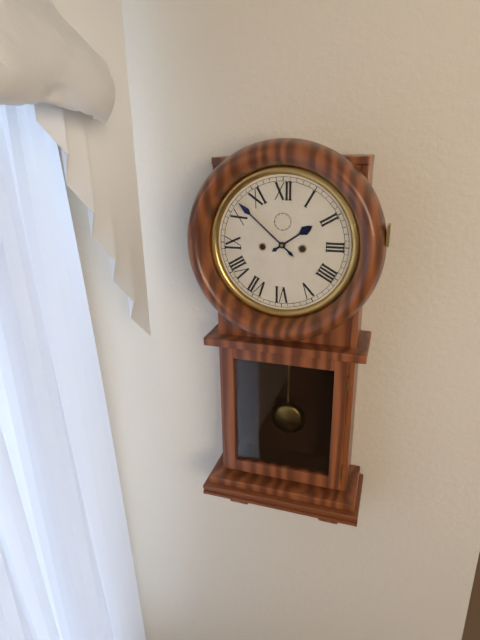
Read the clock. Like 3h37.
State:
1h52
